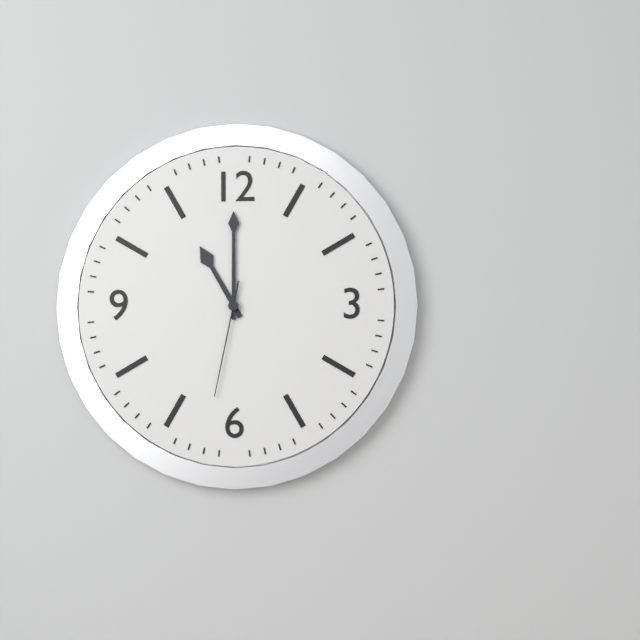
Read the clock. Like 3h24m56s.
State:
11h00m32s
